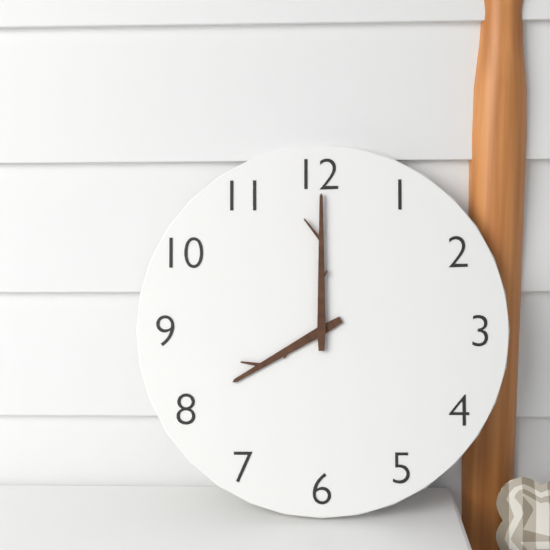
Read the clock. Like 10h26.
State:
8h00
